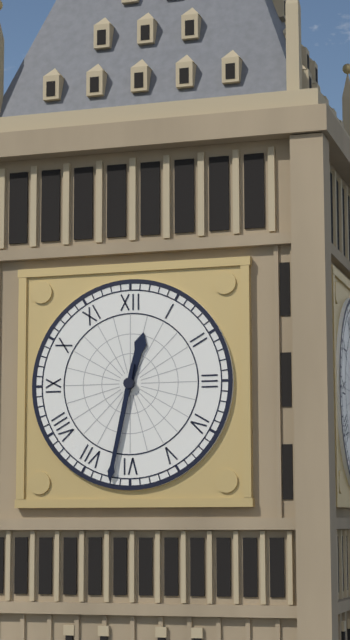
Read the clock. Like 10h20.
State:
12h32
